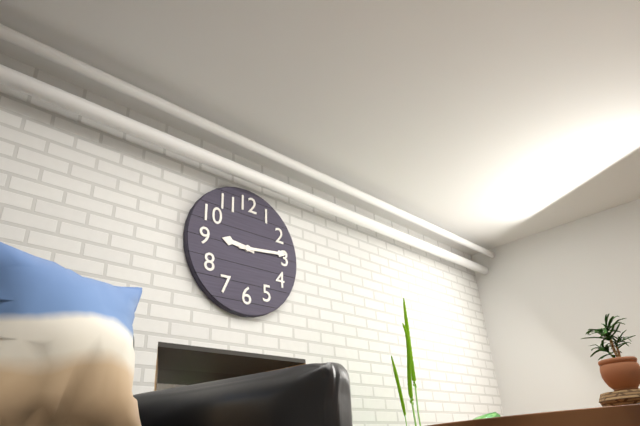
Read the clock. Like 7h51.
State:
9h14
